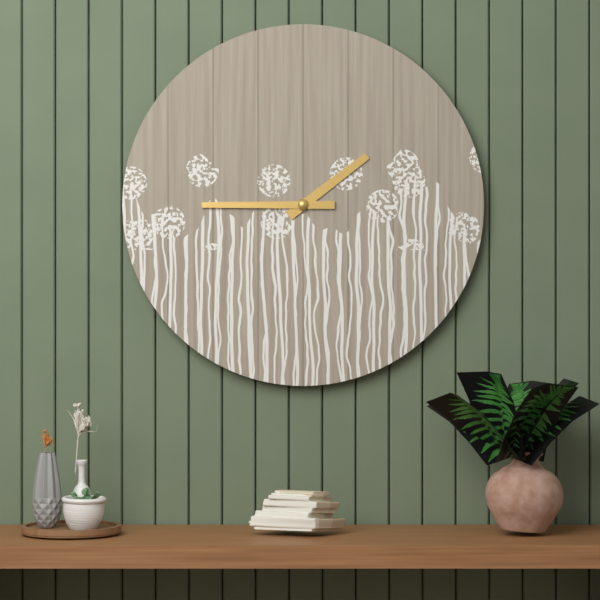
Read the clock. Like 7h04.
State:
1h45
